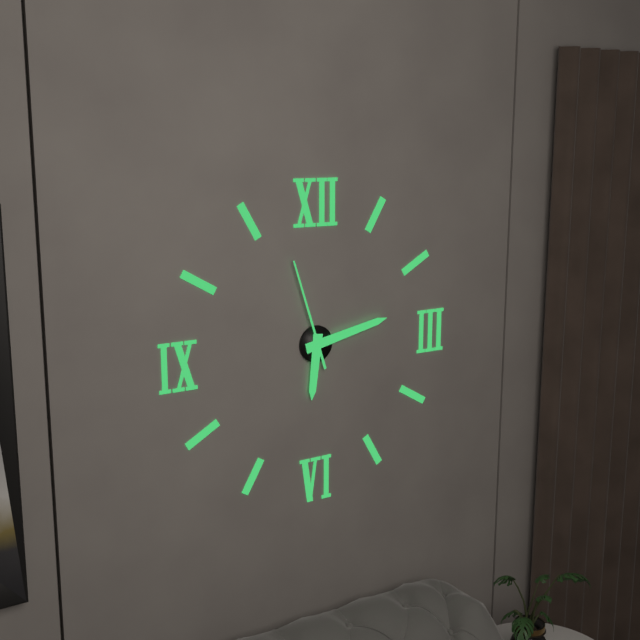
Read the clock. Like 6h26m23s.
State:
6h13m57s
